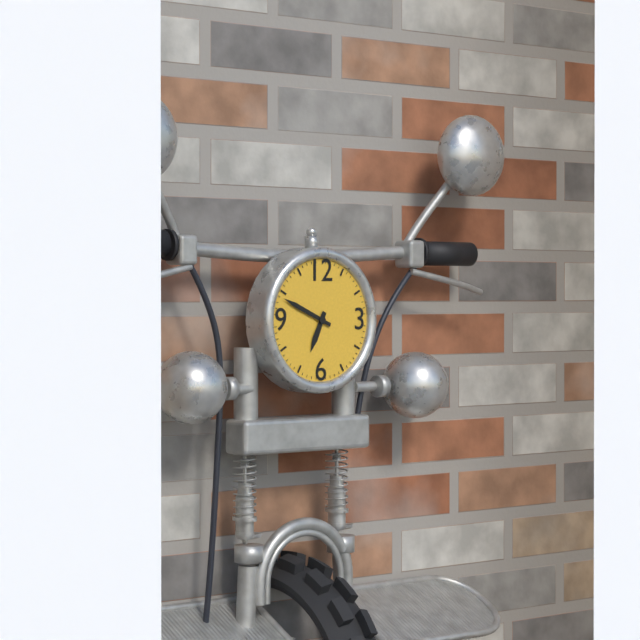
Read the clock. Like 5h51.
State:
6h49
